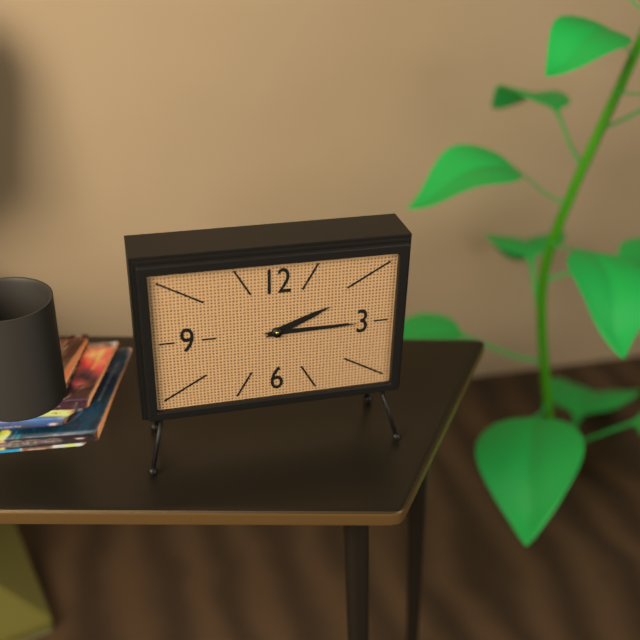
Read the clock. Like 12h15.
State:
2h15
